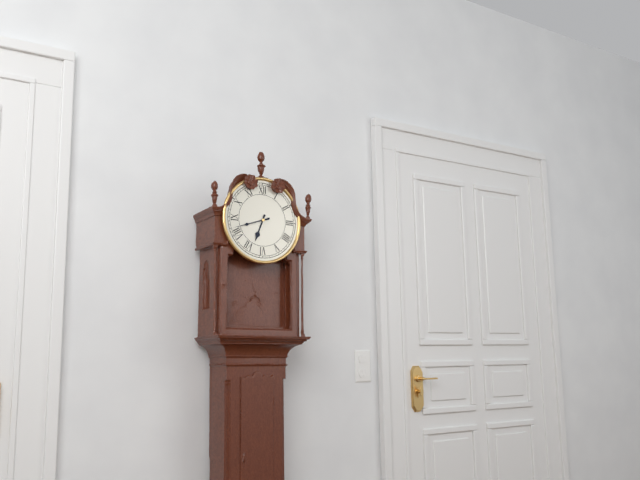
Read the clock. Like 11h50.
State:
6h42
